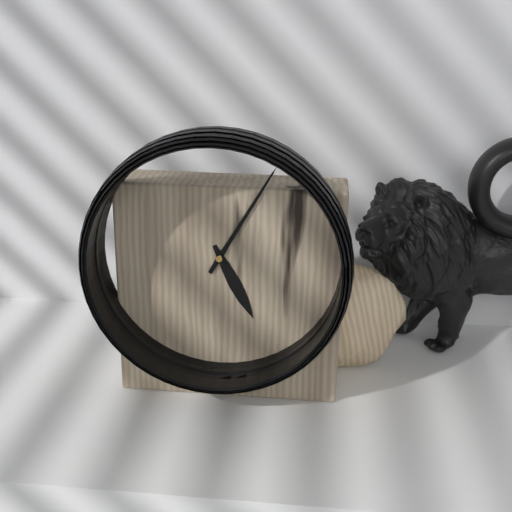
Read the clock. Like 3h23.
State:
5h05
